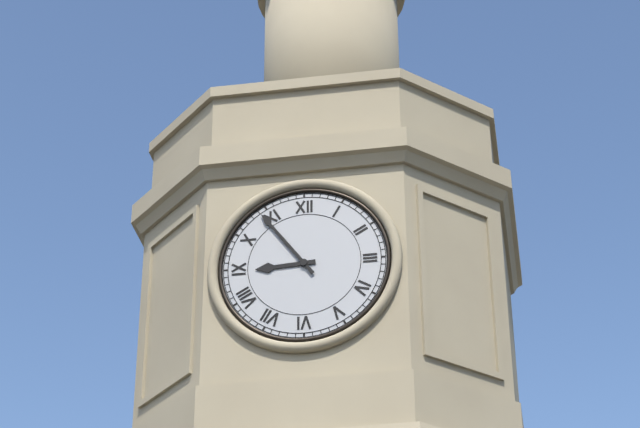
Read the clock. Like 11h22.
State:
8h54
